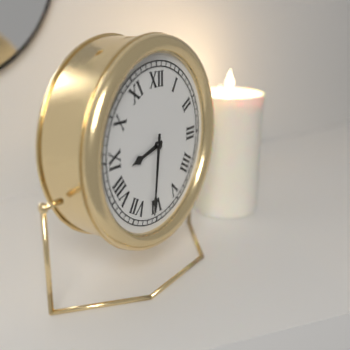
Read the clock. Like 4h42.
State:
8h31
